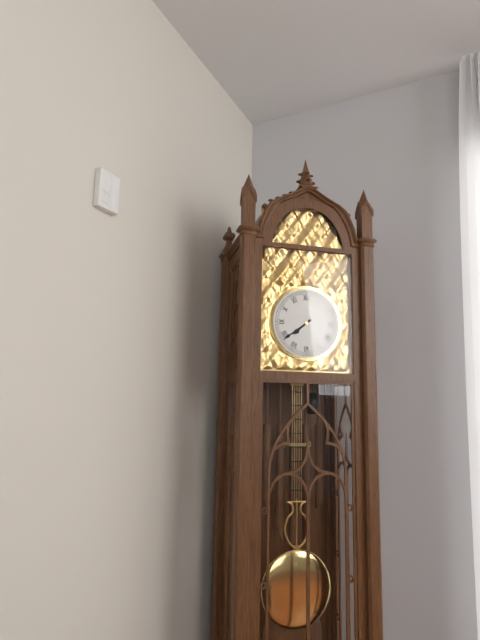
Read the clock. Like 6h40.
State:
7h39
